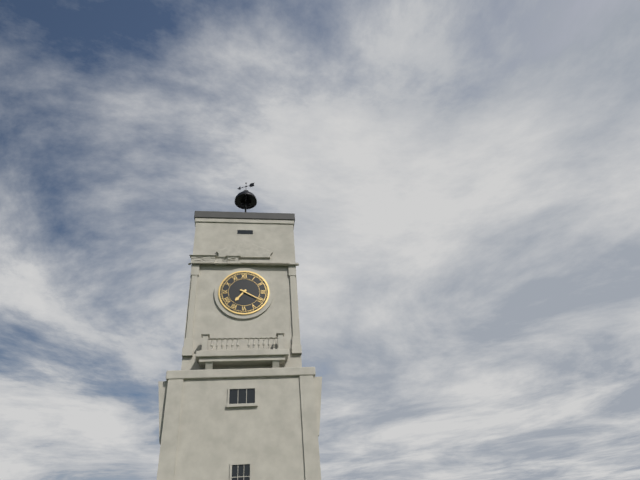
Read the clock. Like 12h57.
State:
7h20
